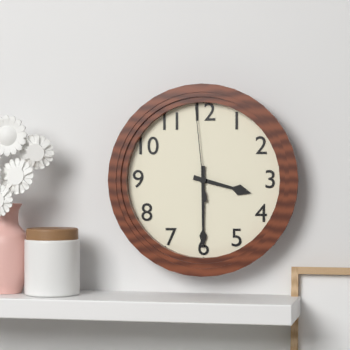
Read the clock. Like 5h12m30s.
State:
3h30m59s
